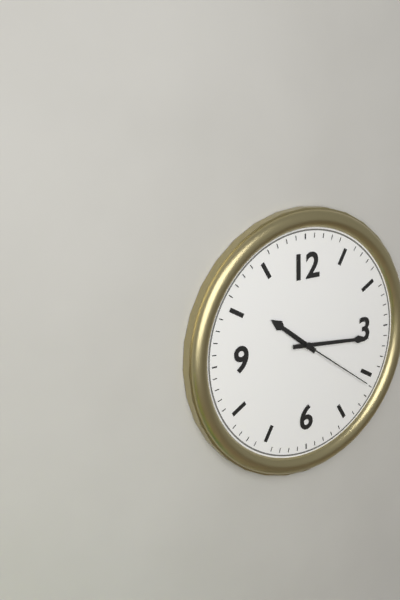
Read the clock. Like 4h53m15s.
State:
10h16m21s
